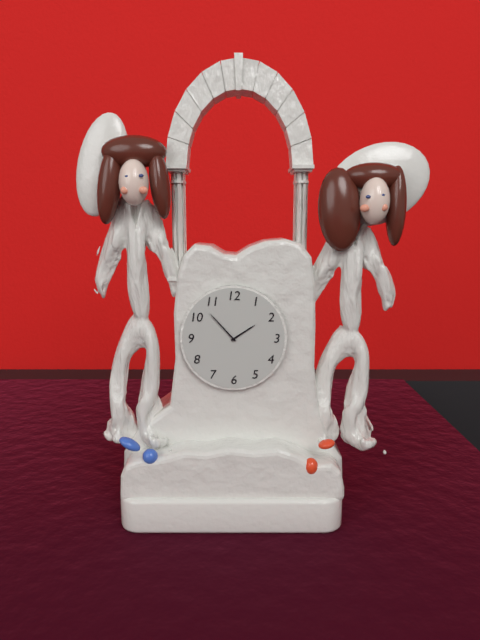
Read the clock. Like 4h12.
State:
1h53
